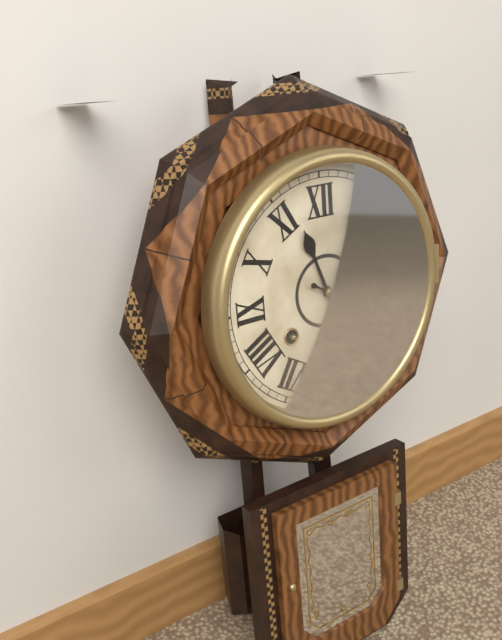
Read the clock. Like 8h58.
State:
11h20
